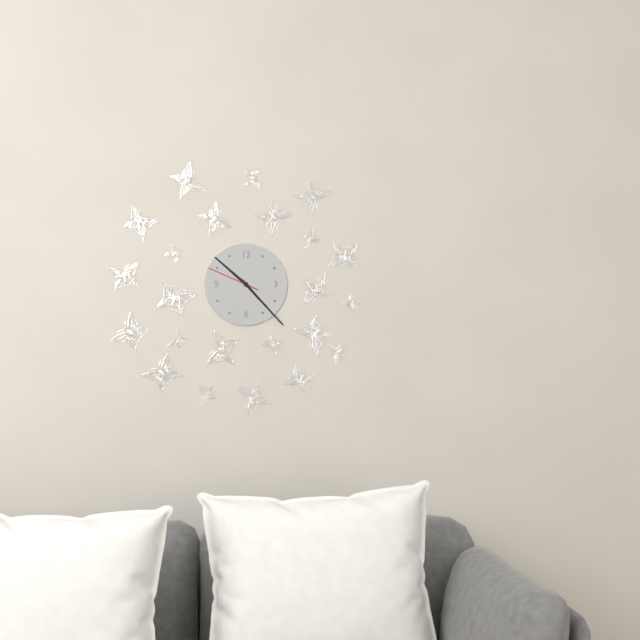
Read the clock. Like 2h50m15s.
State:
10h23m49s
